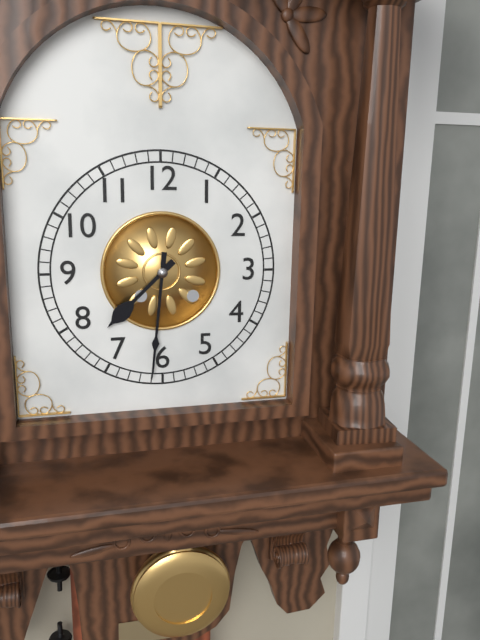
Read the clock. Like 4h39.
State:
7h31
